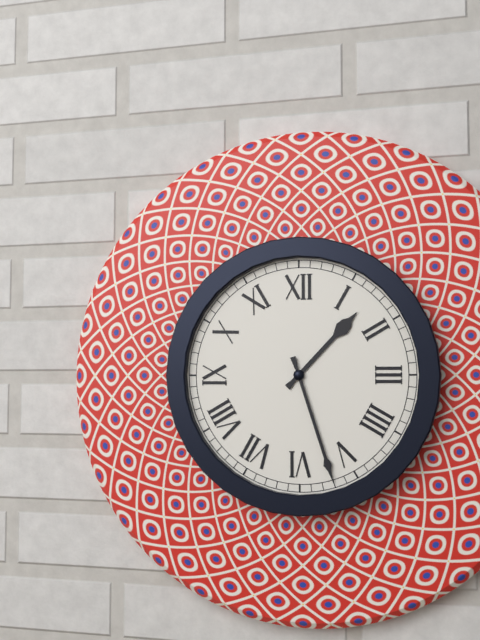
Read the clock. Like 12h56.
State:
1h27
